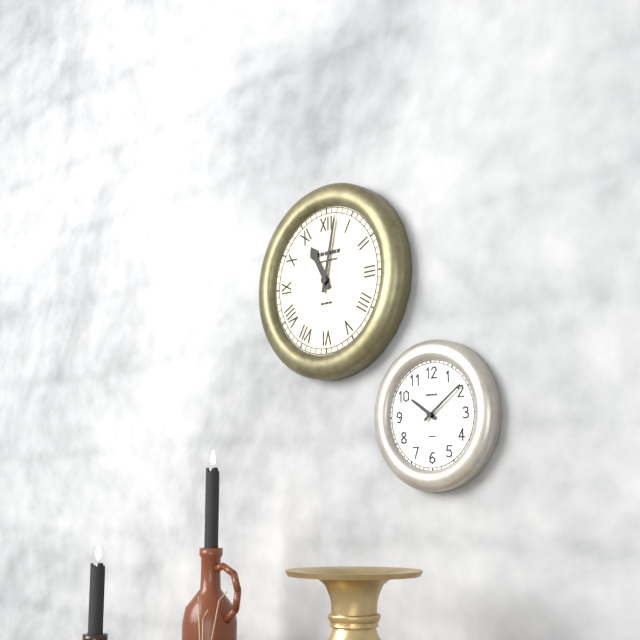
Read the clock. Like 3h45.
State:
11h02
